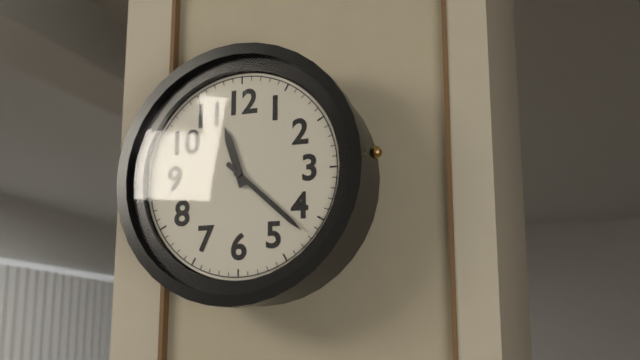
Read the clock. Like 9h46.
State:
11h22
